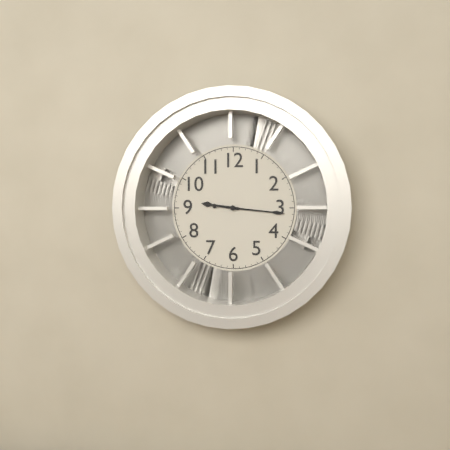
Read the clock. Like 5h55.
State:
9h16
